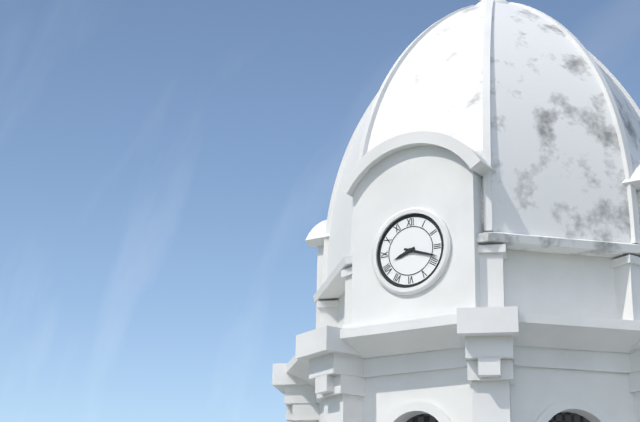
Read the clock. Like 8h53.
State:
8h18
